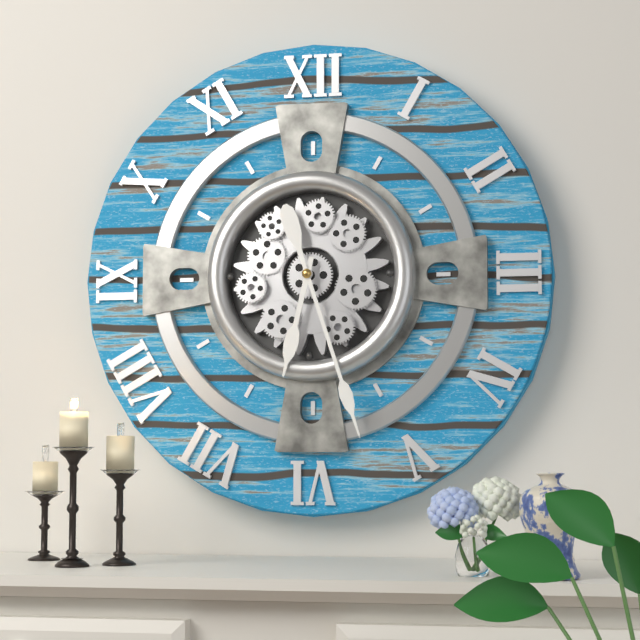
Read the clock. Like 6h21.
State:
6h27
